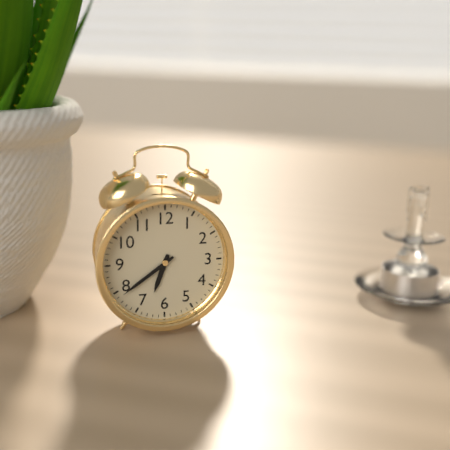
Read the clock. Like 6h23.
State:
6h39
